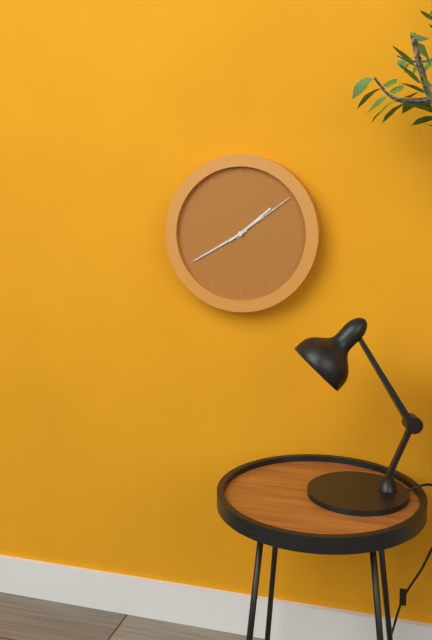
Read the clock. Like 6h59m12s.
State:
1h40m09s
